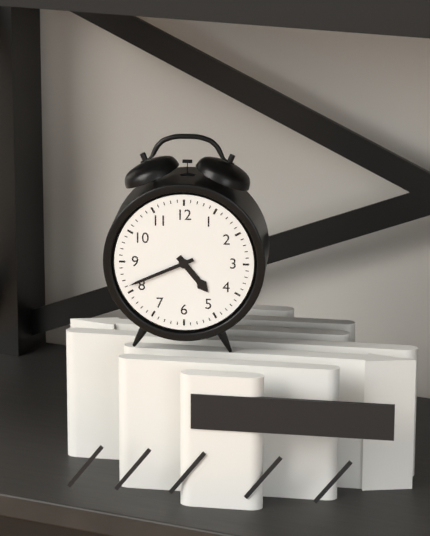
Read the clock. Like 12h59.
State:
4h41
